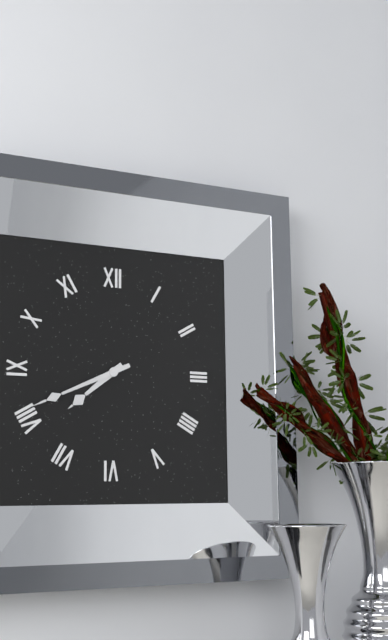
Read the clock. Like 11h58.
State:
7h41
